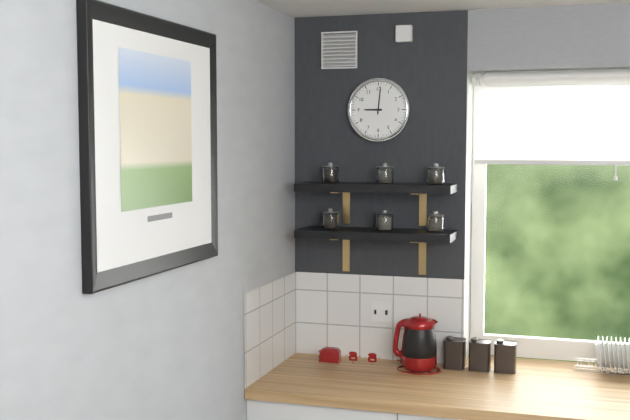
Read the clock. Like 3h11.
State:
9h01
